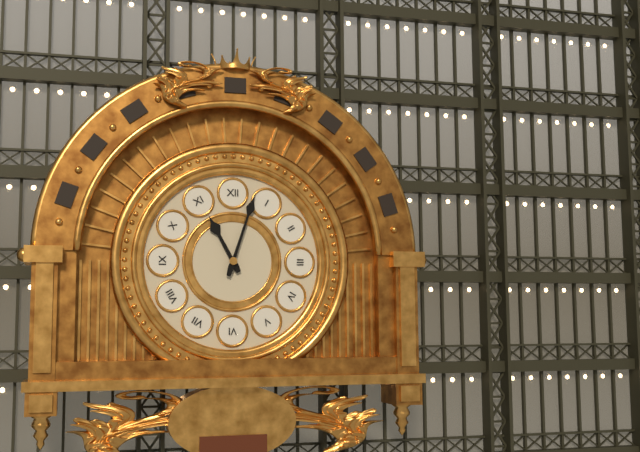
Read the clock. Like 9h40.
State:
11h03
